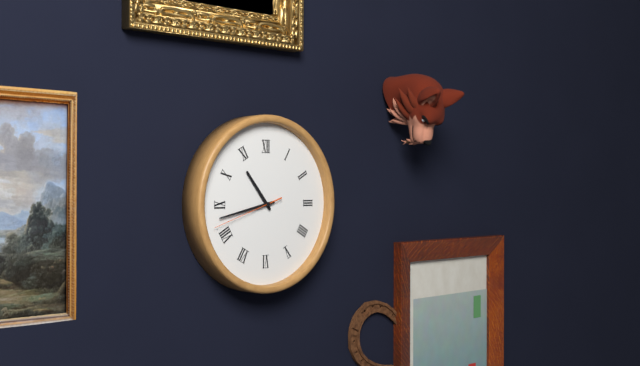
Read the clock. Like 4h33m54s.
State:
10h43m42s
